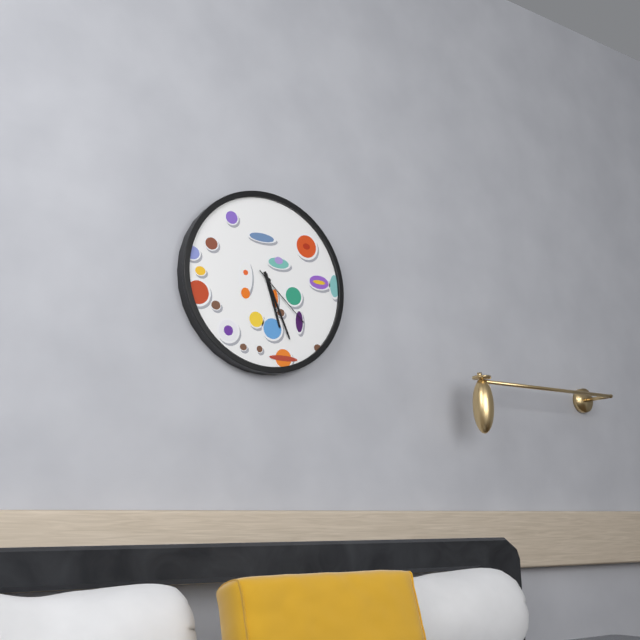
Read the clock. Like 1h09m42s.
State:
5h26m22s
